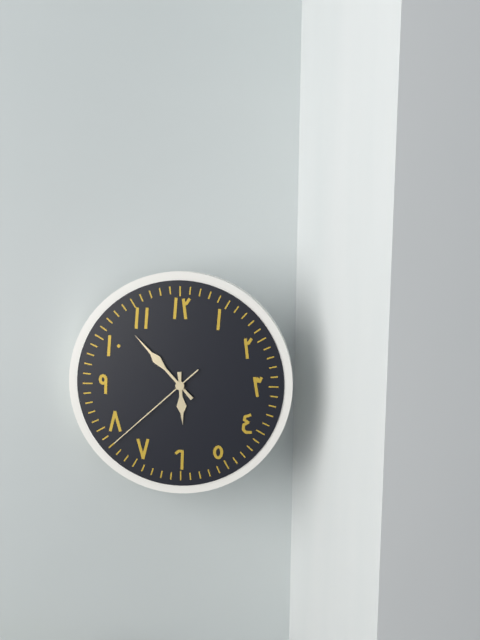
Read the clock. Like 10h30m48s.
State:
5h53m38s
